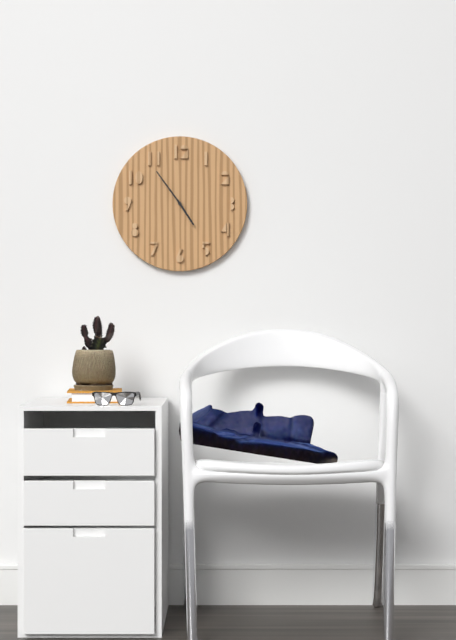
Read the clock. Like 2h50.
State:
4h54
